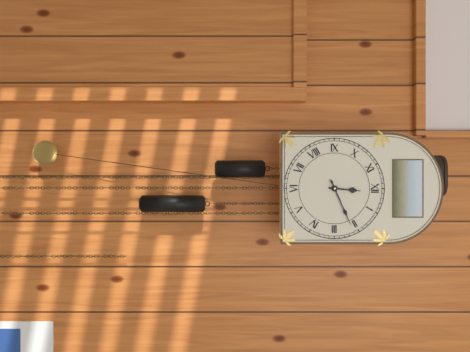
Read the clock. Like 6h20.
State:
12h11
